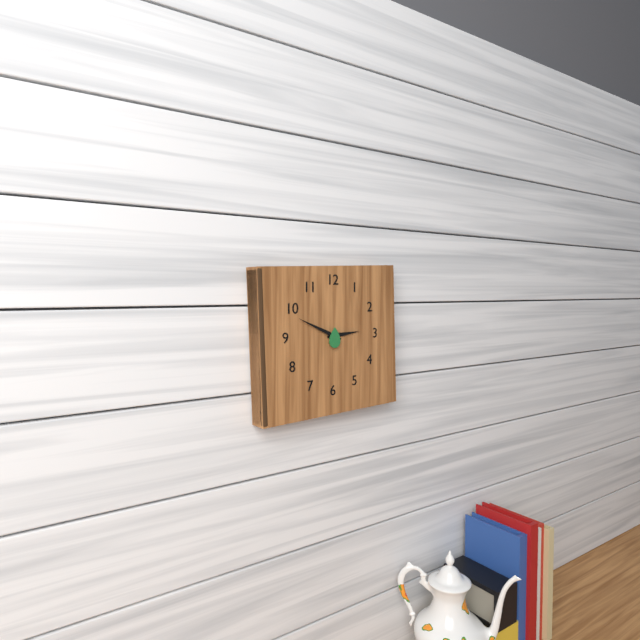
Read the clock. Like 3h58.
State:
2h49
